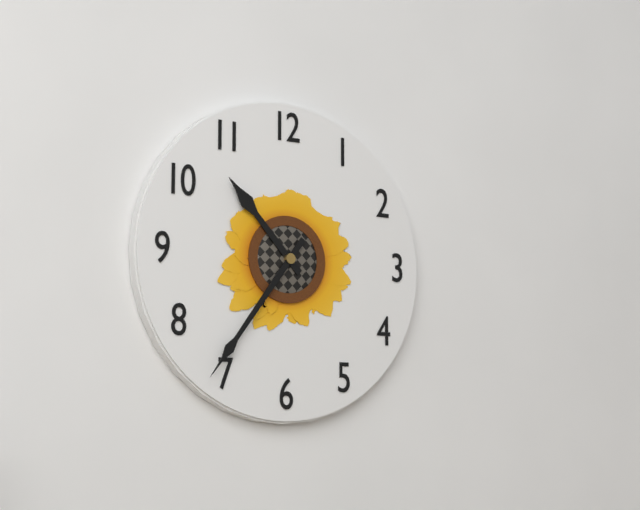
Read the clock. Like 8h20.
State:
10h36
